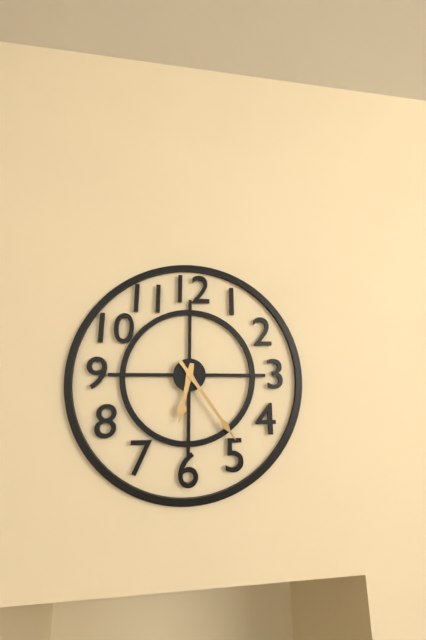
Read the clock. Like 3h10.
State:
6h24
